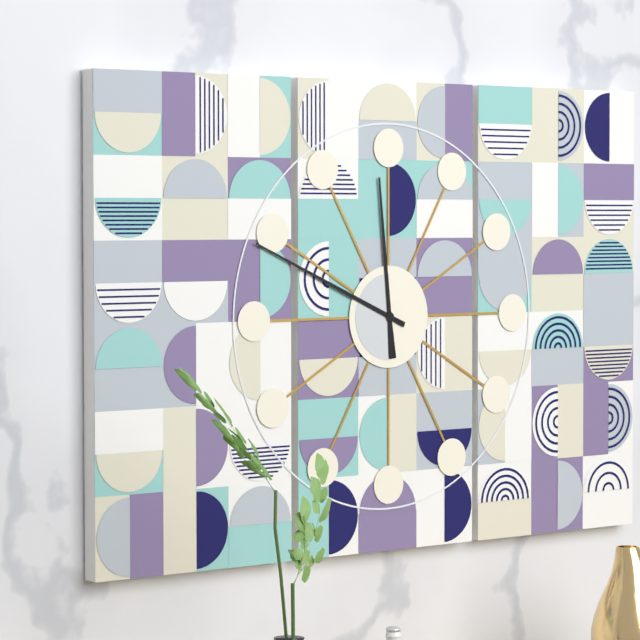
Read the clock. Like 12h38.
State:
11h49
